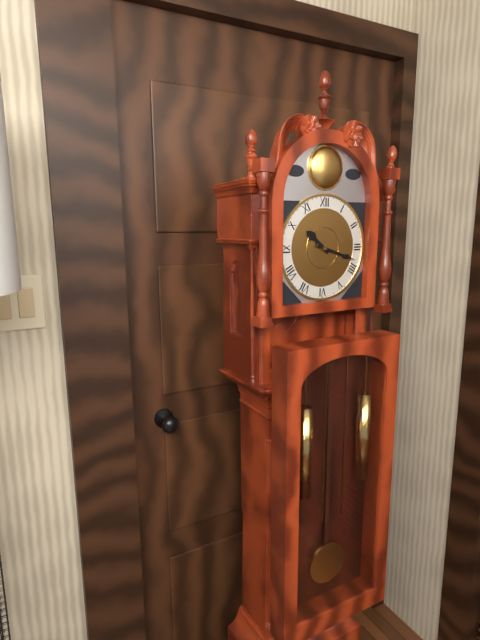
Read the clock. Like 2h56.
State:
10h18
